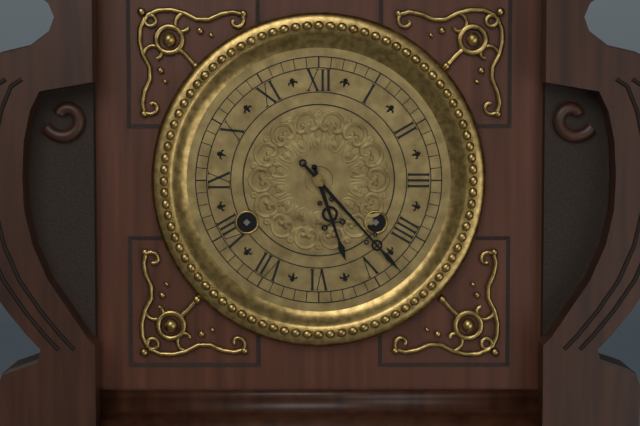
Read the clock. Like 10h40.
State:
5h23
